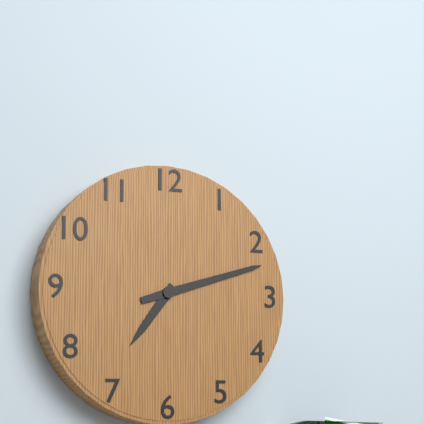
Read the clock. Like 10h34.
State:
7h12
